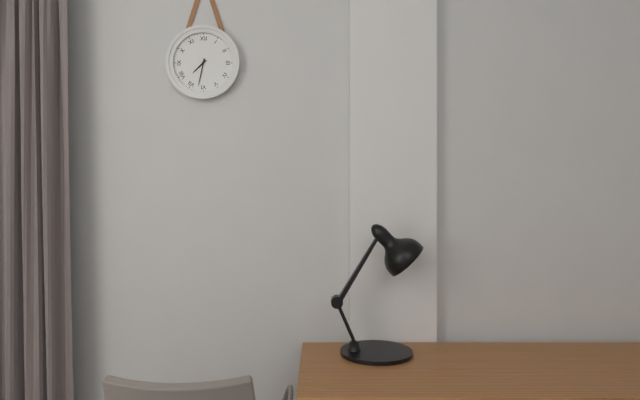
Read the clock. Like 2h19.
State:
7h32
